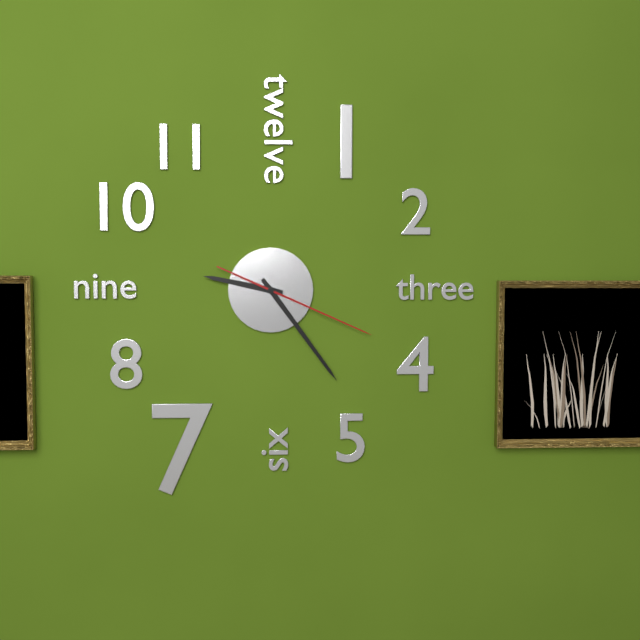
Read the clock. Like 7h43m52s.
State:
9h24m19s
